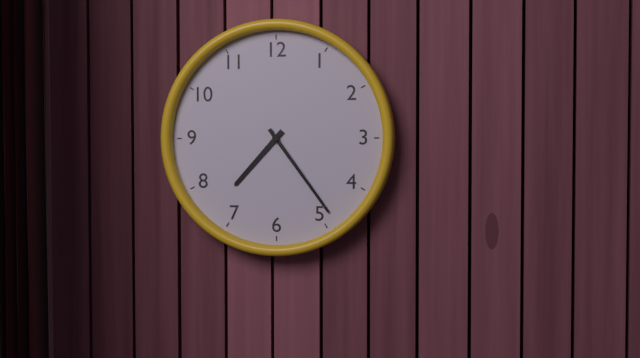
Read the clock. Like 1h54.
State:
7h24
